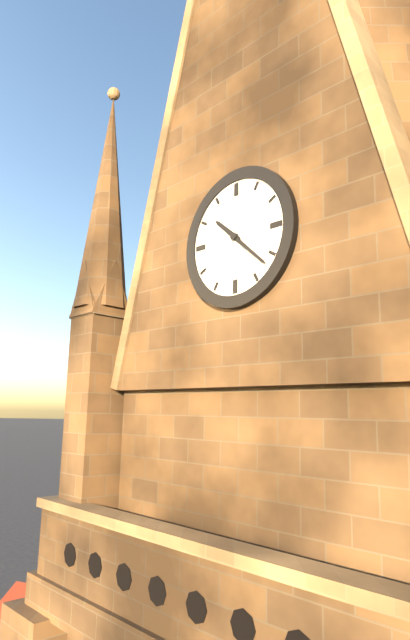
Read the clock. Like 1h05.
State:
10h22
